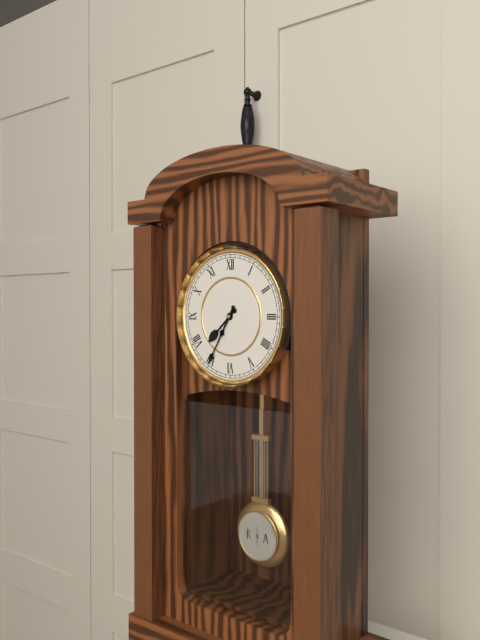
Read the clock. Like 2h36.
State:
7h35
